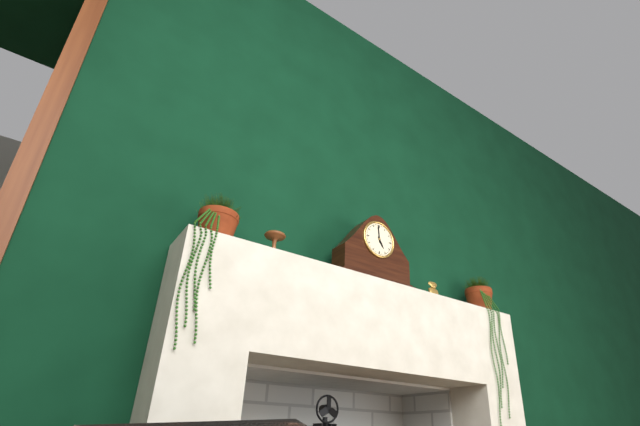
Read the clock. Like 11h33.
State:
4h59
